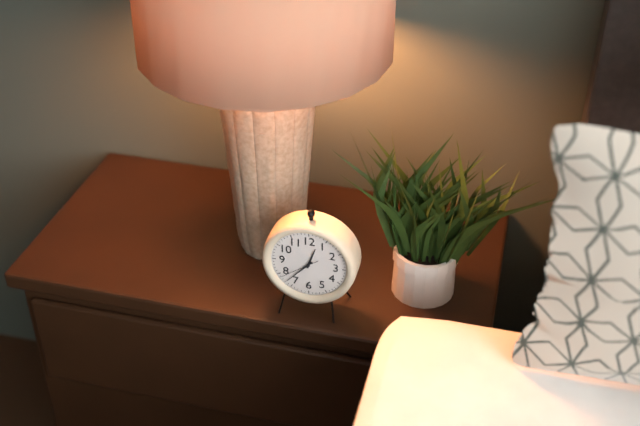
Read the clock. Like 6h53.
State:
12h37
